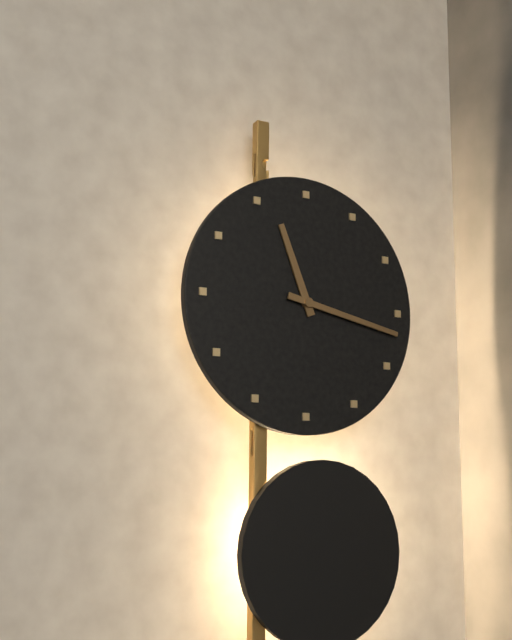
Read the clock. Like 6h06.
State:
11h17
